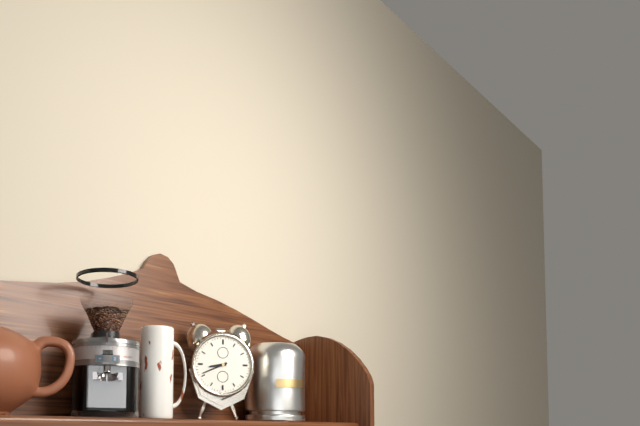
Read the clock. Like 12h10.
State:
8h41
